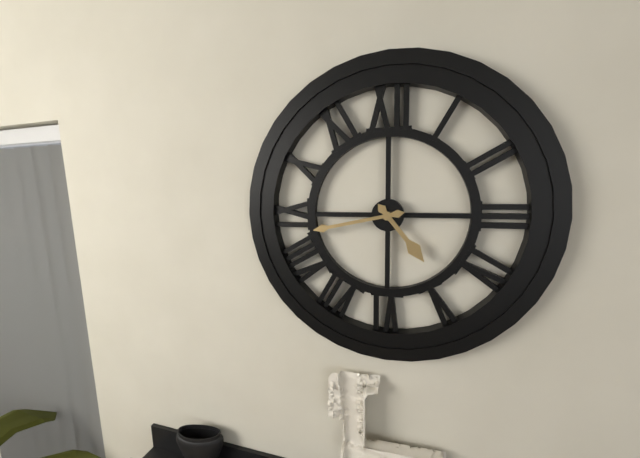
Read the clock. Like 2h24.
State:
4h43
